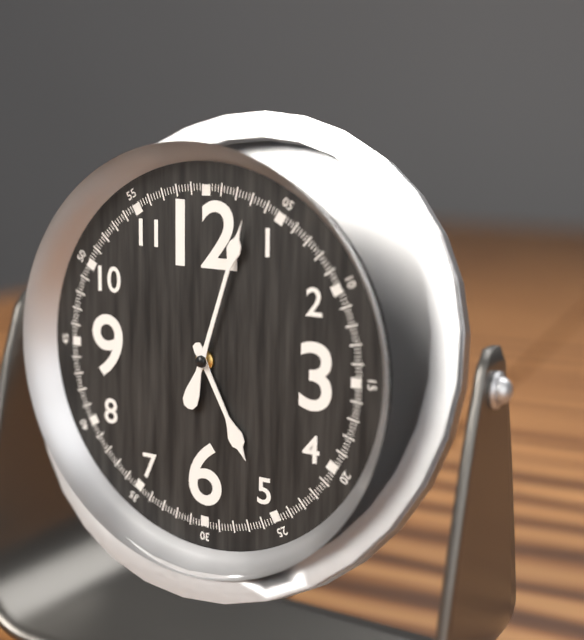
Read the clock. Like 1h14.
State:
5h03
